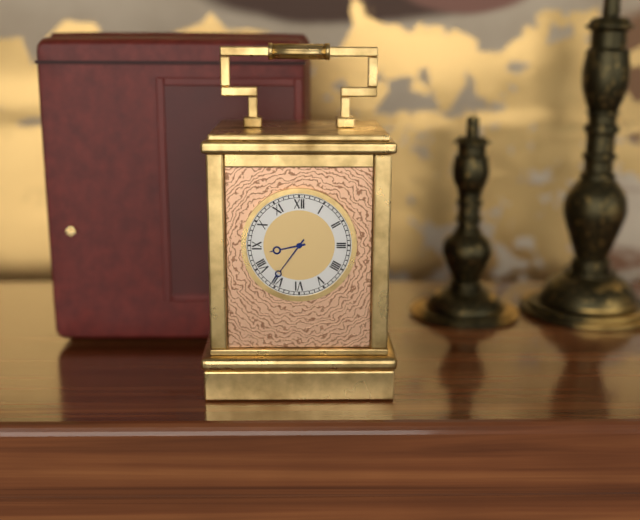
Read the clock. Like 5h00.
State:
8h36
